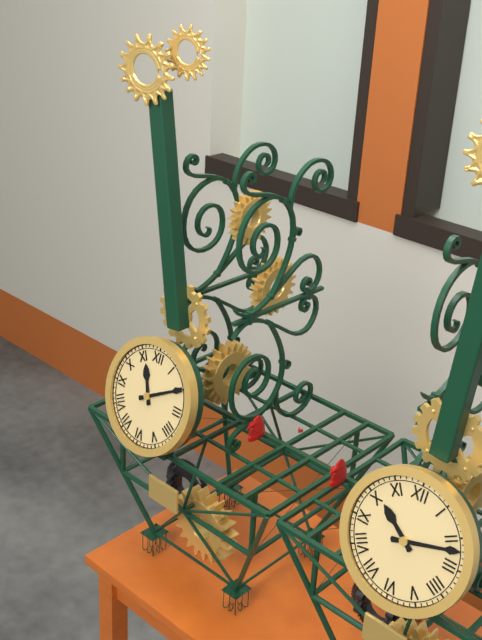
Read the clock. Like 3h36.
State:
11h10
